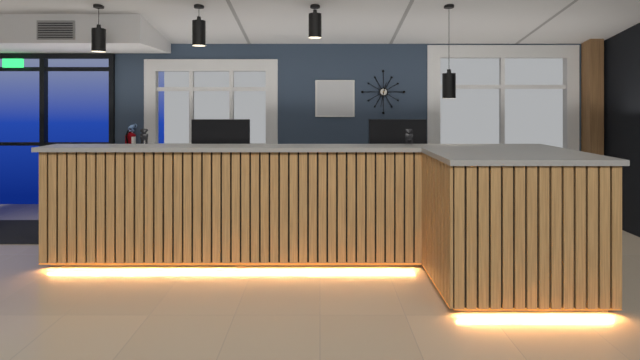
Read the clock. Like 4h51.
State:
12h32
